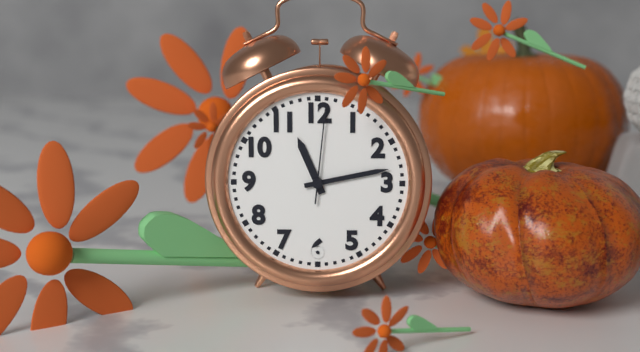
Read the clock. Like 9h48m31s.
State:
11h13m01s
